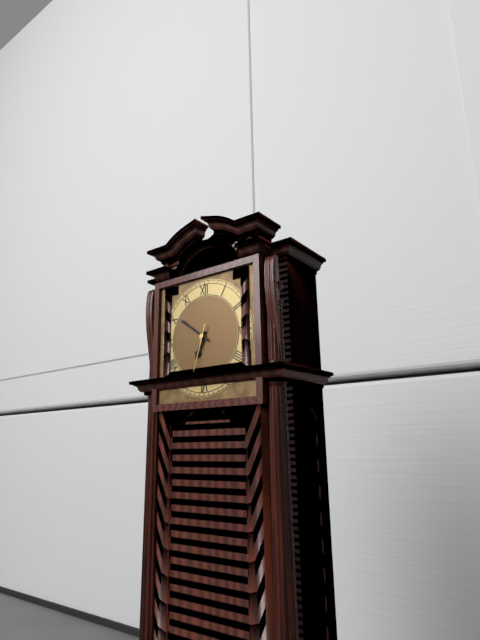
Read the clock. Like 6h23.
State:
6h51
